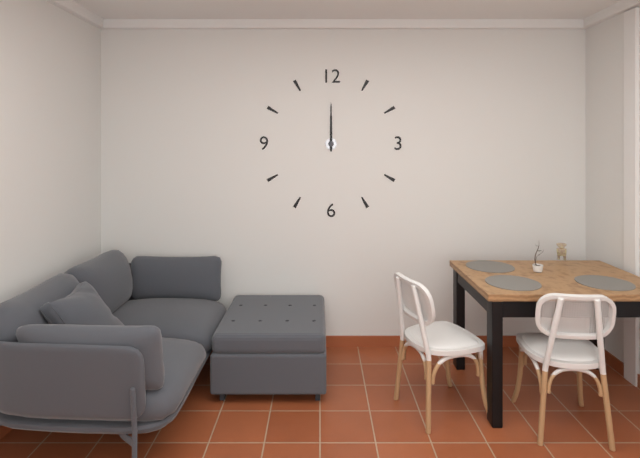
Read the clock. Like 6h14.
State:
12h00
